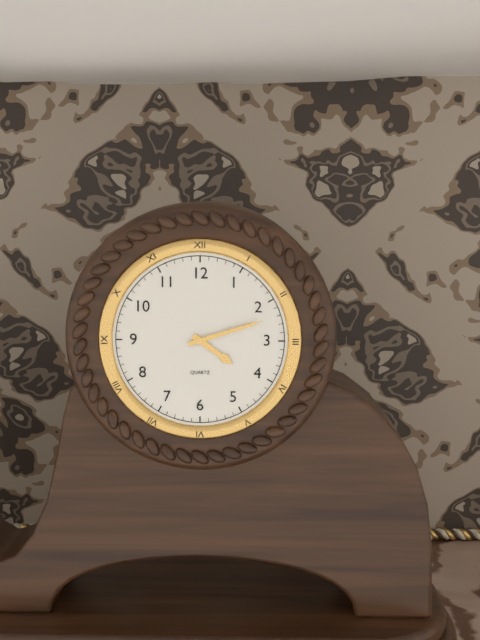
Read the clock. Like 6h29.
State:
4h12
